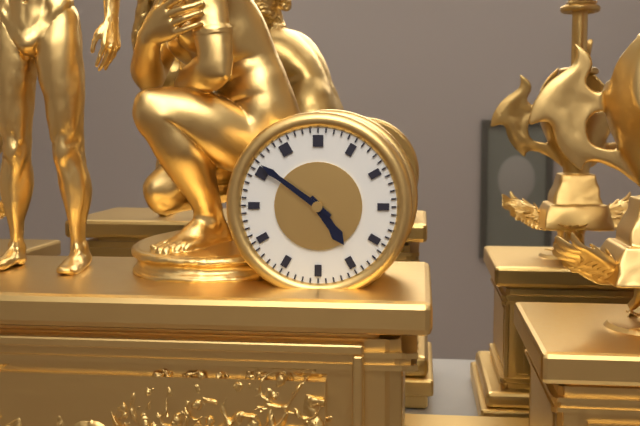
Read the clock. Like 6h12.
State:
4h51
